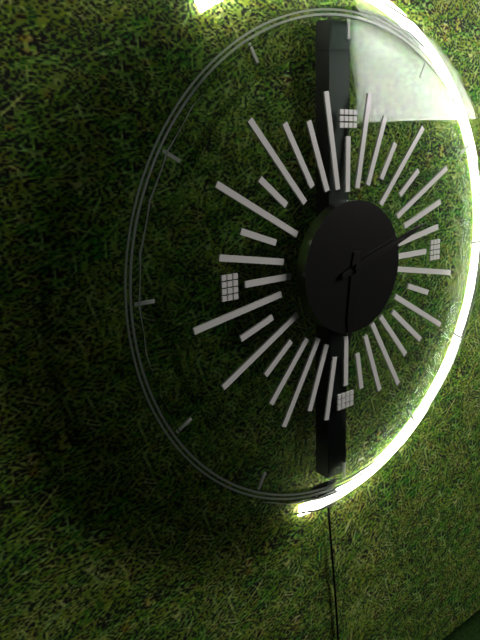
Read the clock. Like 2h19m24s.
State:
6h12m12s
